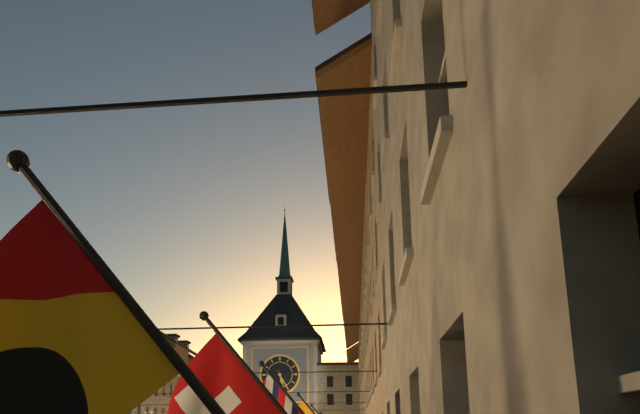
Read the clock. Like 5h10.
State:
5h25
